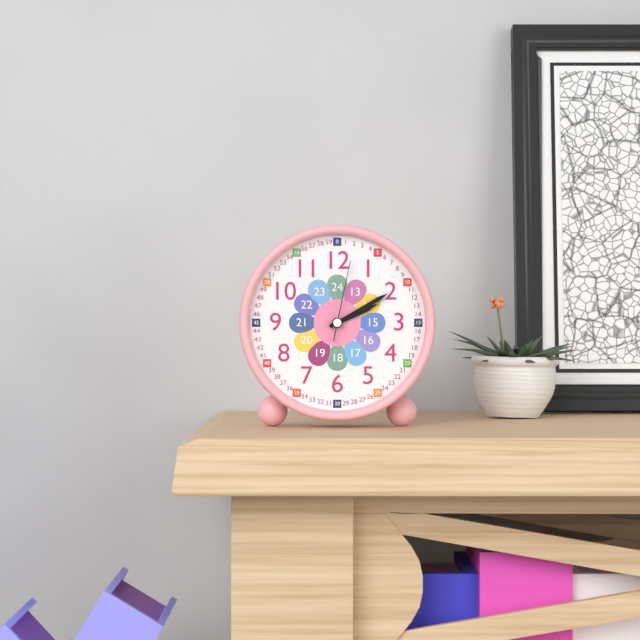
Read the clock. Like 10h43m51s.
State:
2h10m02s
